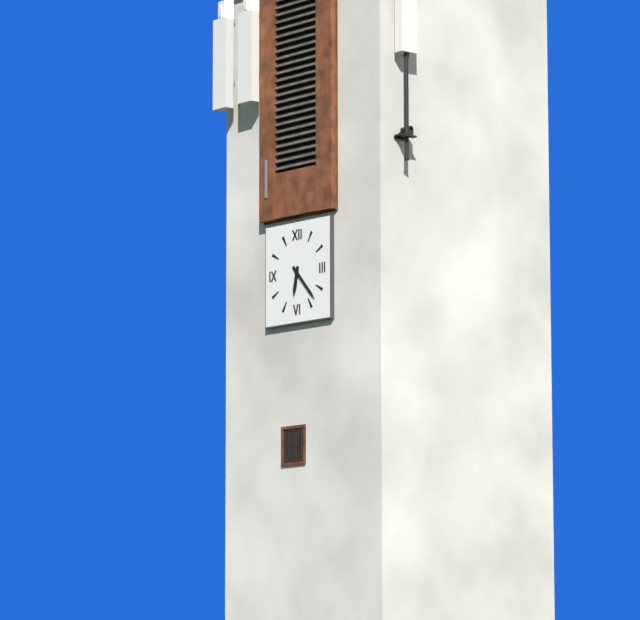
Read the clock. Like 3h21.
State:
6h23
